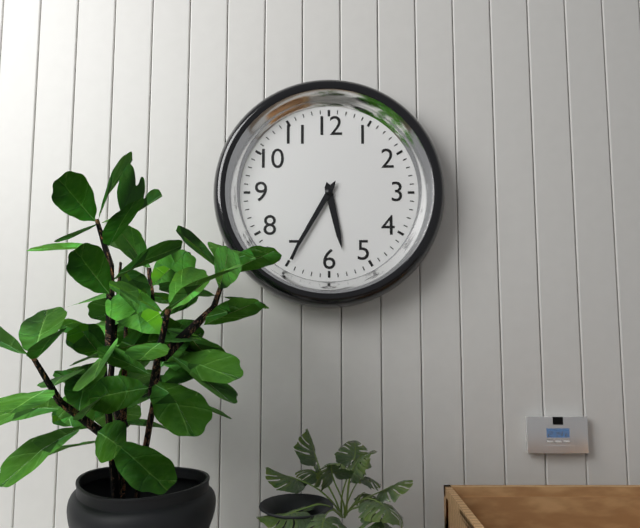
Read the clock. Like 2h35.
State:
5h35
